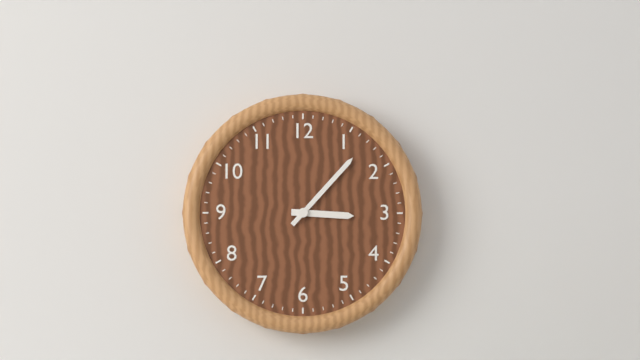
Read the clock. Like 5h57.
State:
3h07
